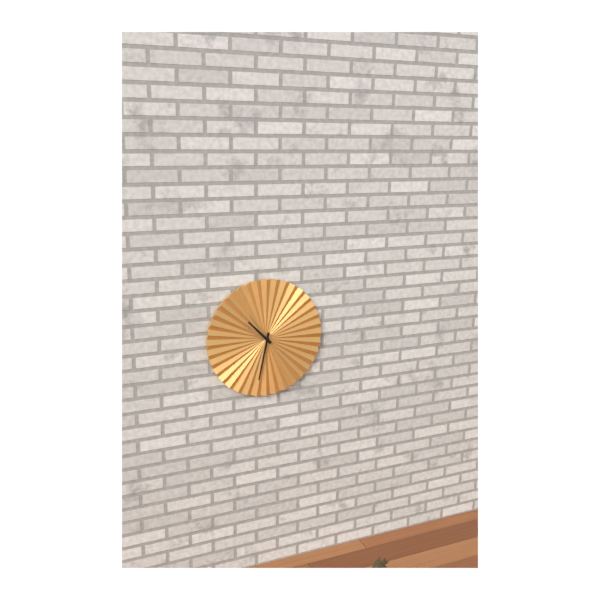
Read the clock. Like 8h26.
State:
10h32
